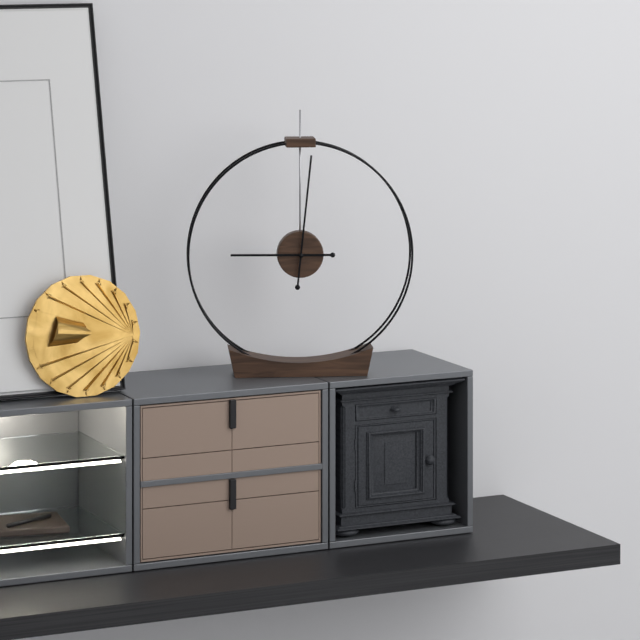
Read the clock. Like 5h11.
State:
9h01
